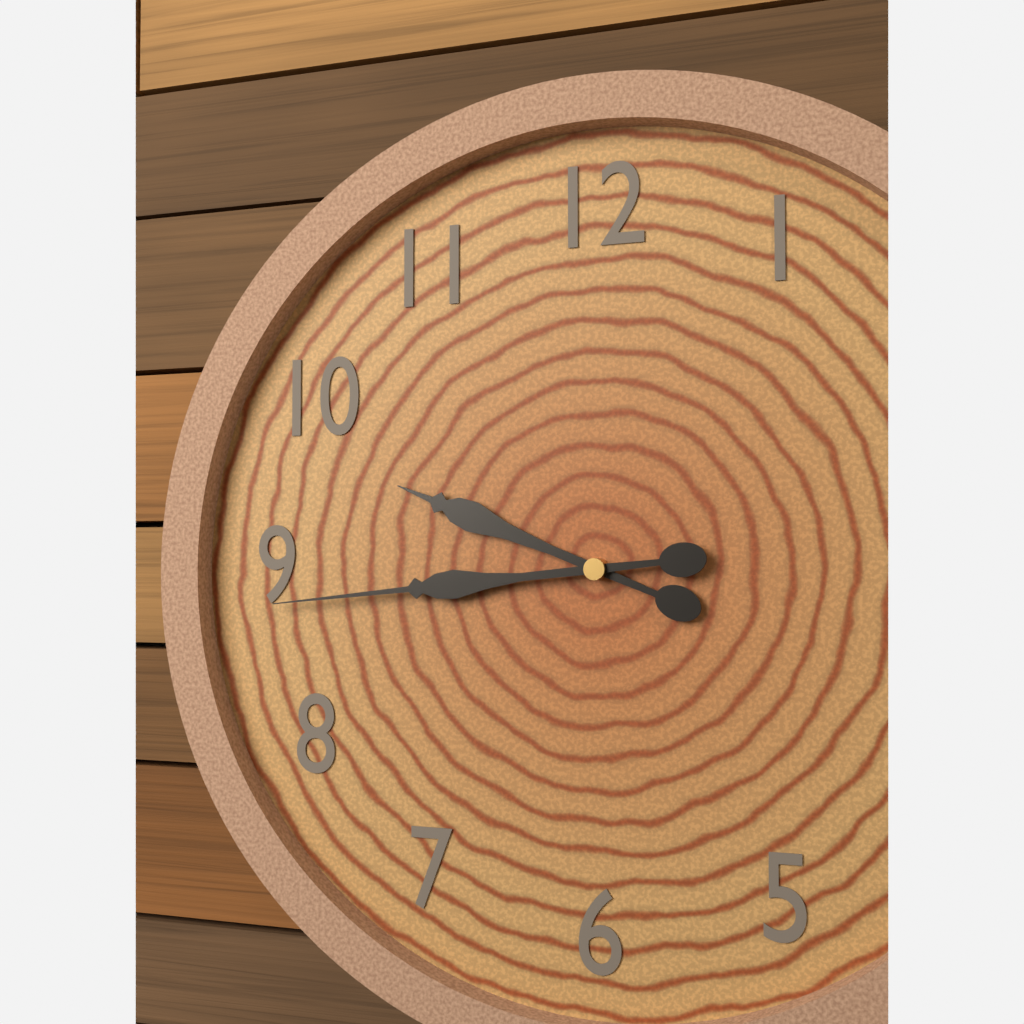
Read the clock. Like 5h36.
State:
9h44
